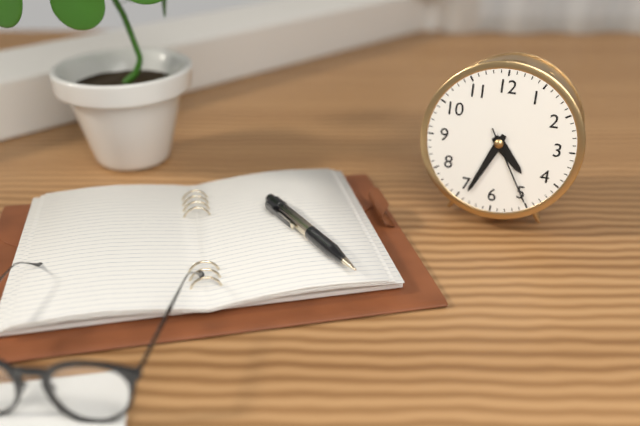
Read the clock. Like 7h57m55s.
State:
4h34m25s
